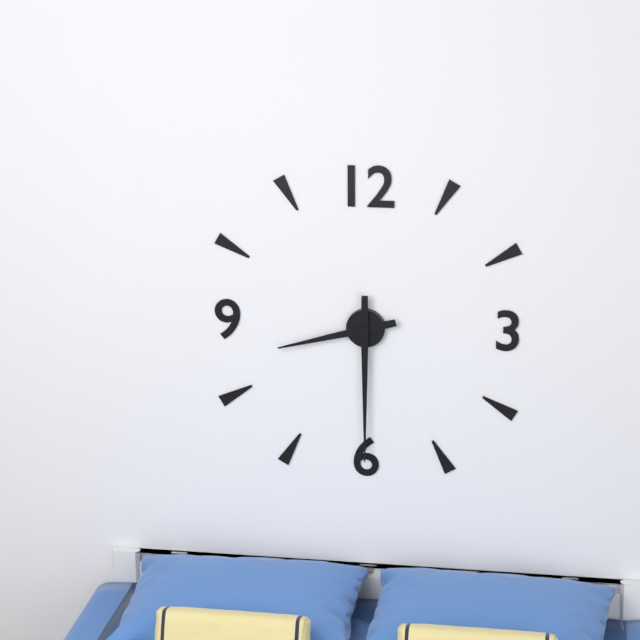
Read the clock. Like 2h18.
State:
8h30
